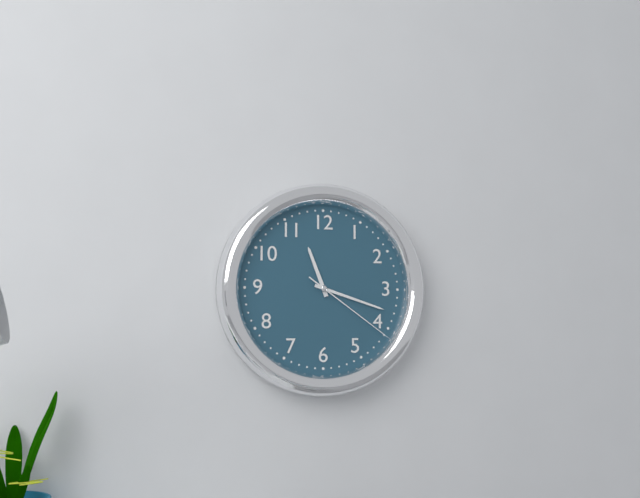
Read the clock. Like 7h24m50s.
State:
11h18m21s
